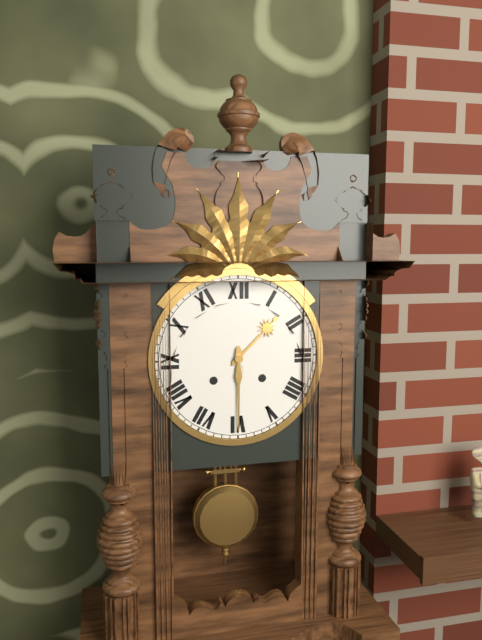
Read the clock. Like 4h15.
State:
1h30
